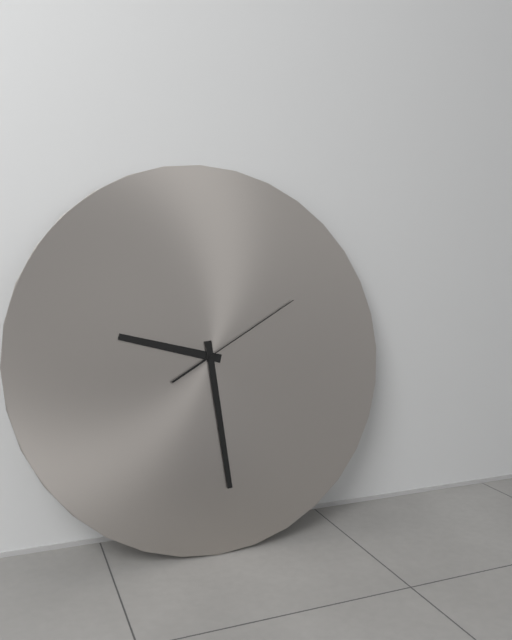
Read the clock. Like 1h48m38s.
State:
9h29m10s
